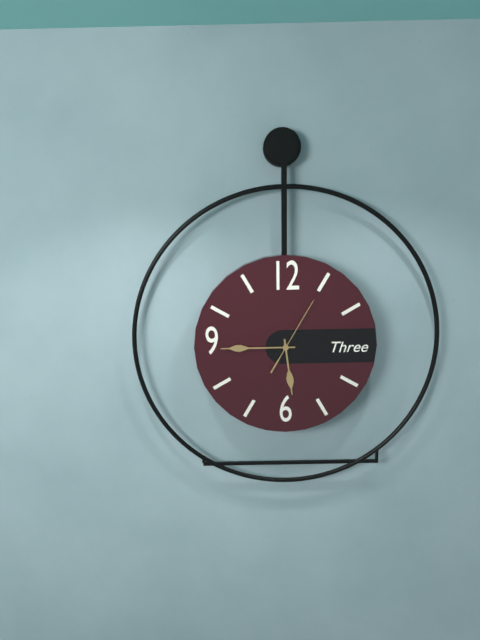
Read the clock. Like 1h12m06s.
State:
5h45m05s
